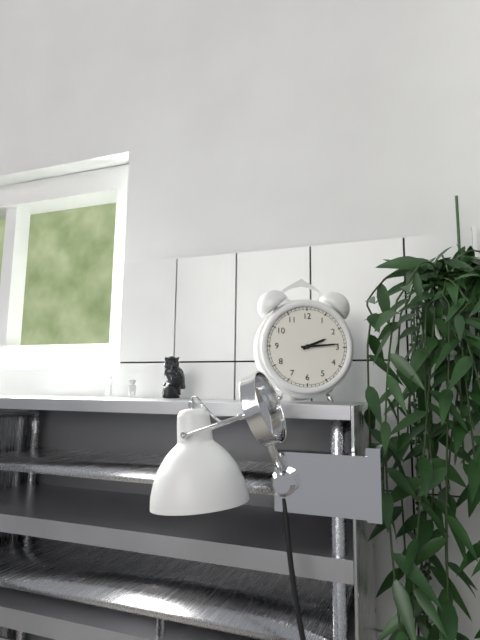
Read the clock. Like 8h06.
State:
2h14
